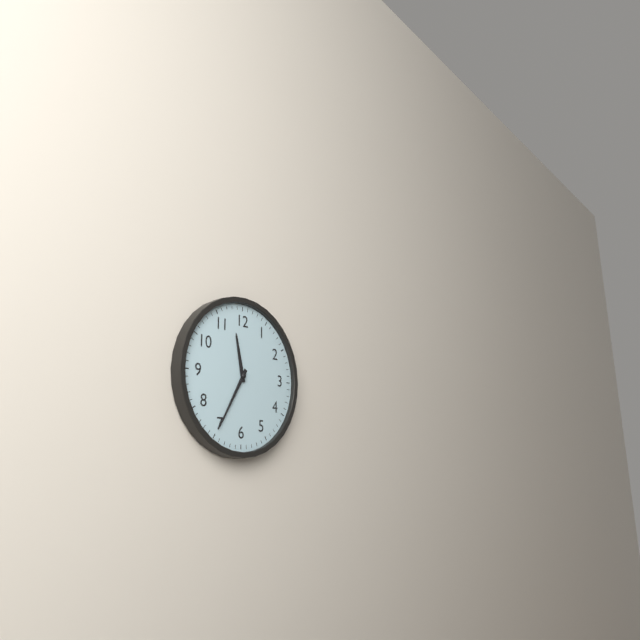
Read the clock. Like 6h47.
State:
11h35
